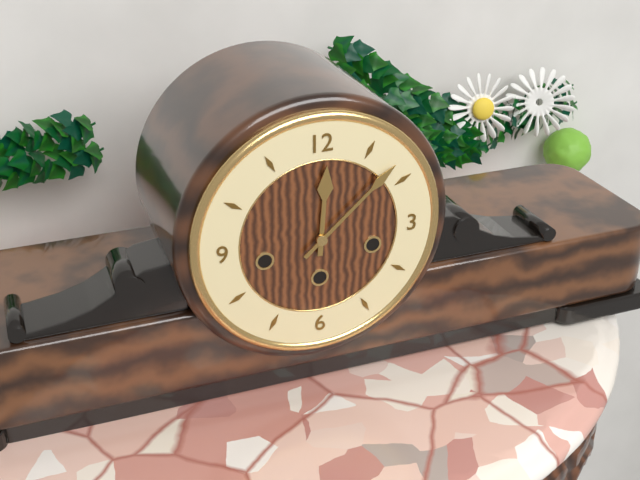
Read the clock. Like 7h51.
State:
12h08
